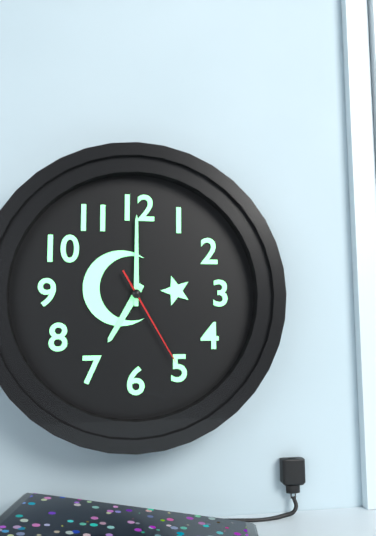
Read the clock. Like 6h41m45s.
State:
7h00m25s
